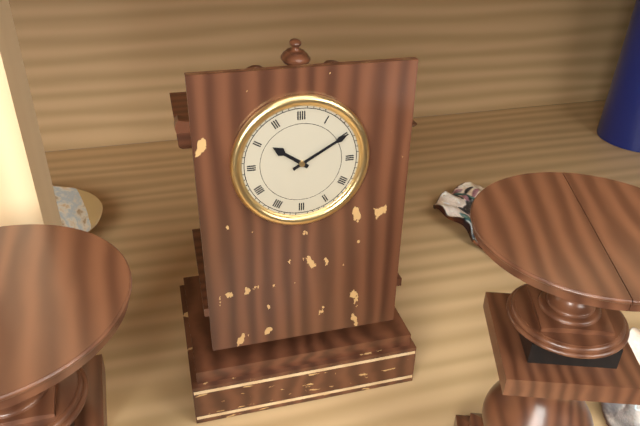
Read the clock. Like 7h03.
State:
10h10
